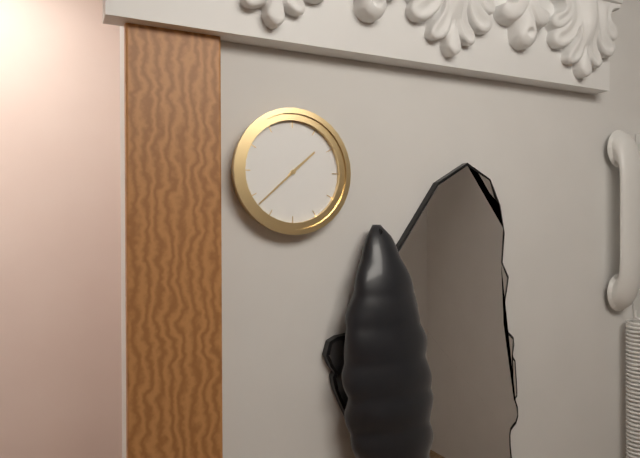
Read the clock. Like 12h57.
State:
1h38
